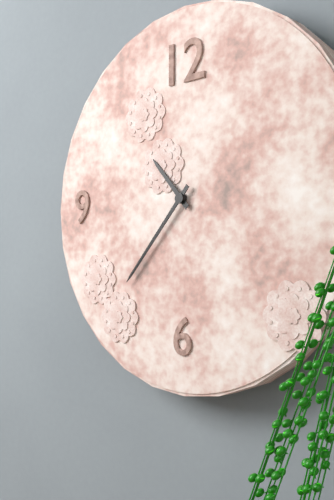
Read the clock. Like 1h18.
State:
10h37
